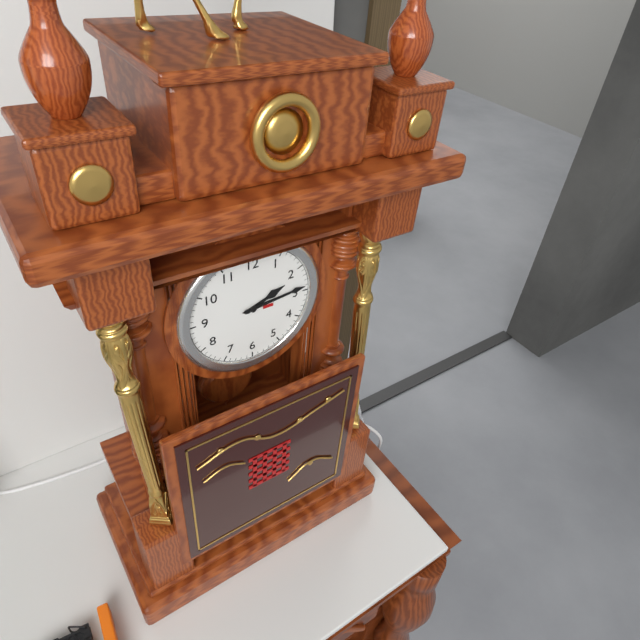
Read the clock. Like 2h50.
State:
2h14
